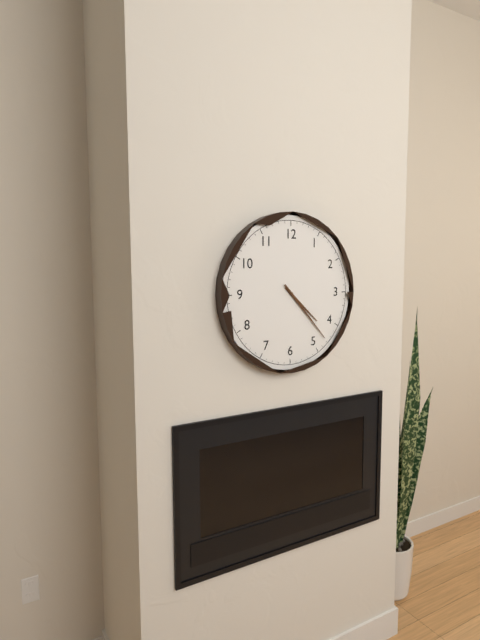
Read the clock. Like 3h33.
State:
4h23
